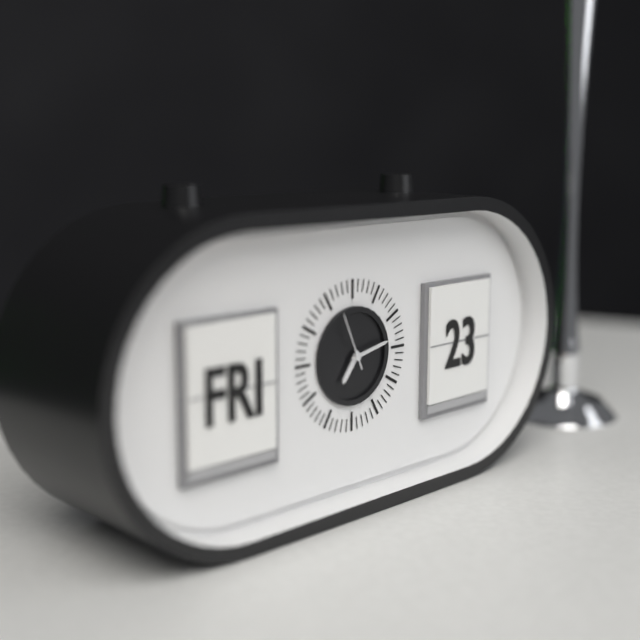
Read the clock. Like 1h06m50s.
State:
7h13m56s
